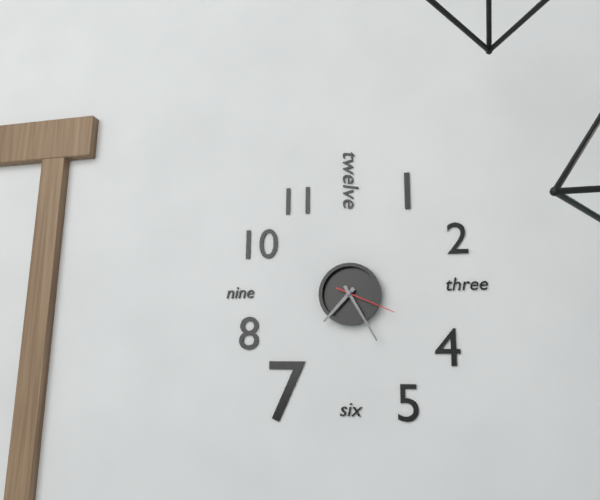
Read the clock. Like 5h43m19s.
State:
7h25m19s
